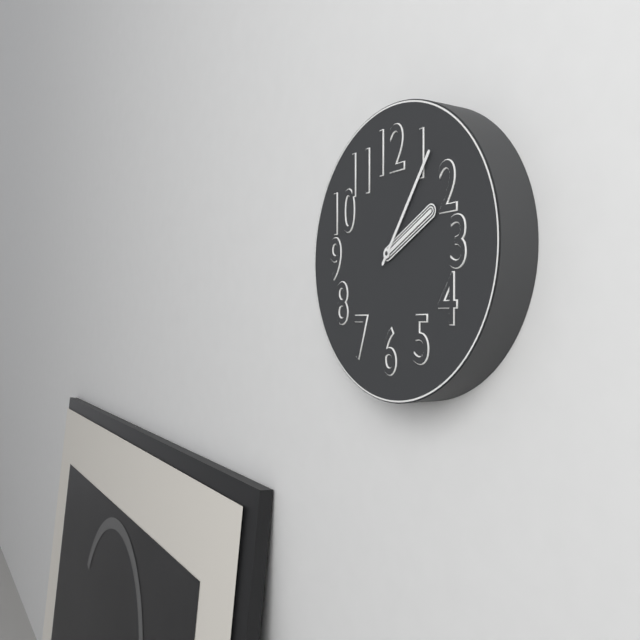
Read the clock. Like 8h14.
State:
2h06
